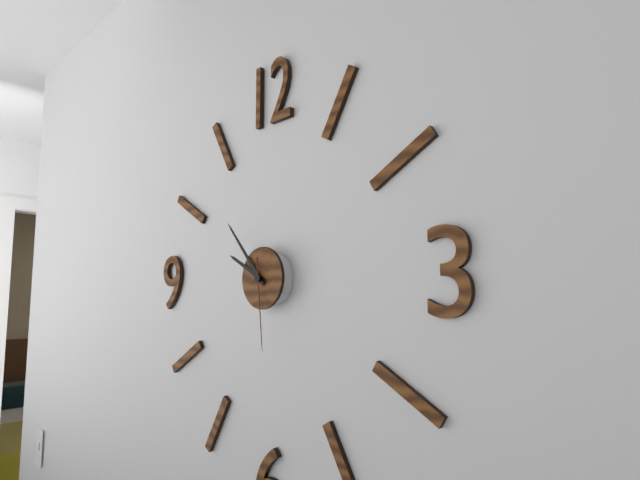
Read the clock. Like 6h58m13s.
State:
9h53m29s
